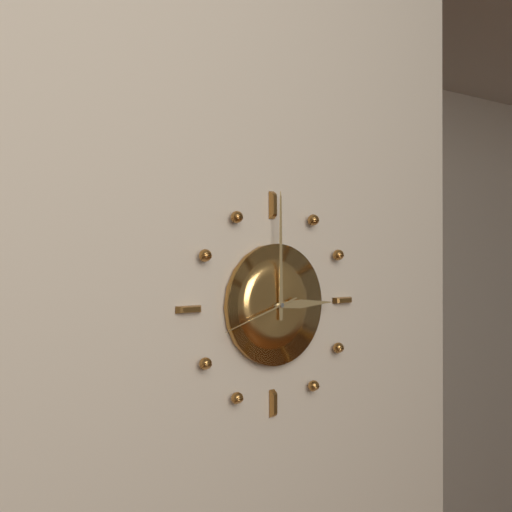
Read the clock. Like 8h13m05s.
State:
3h00m42s
